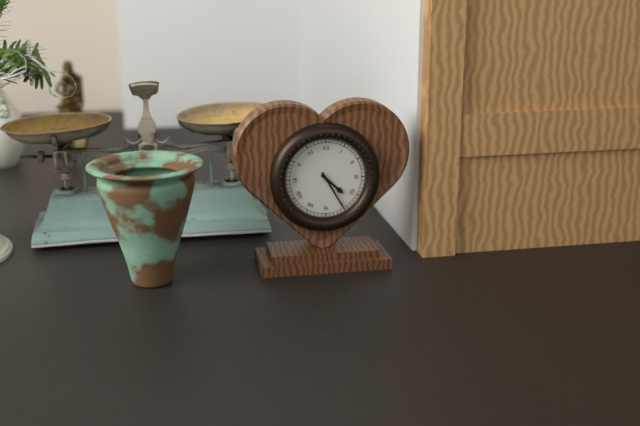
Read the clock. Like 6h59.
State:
4h25
